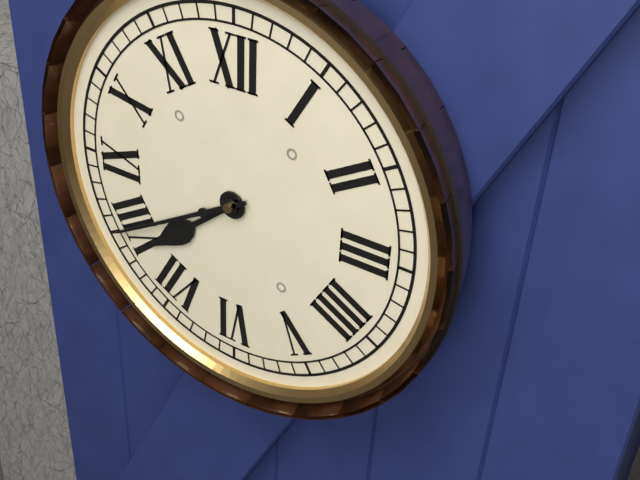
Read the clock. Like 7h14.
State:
7h40
